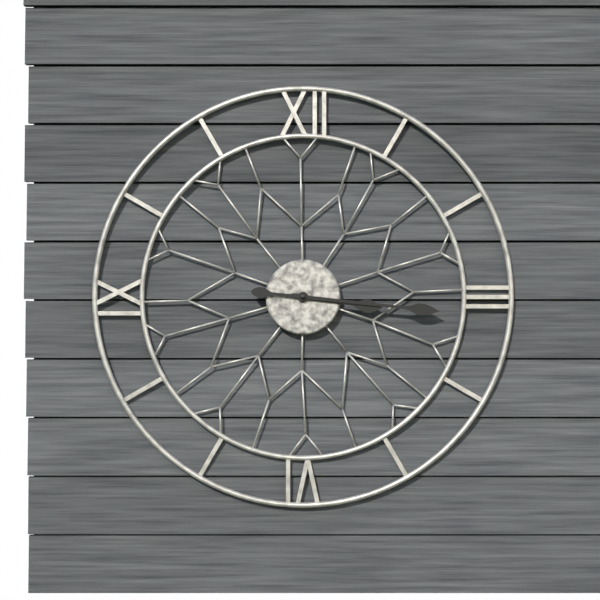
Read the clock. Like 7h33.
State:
3h16
